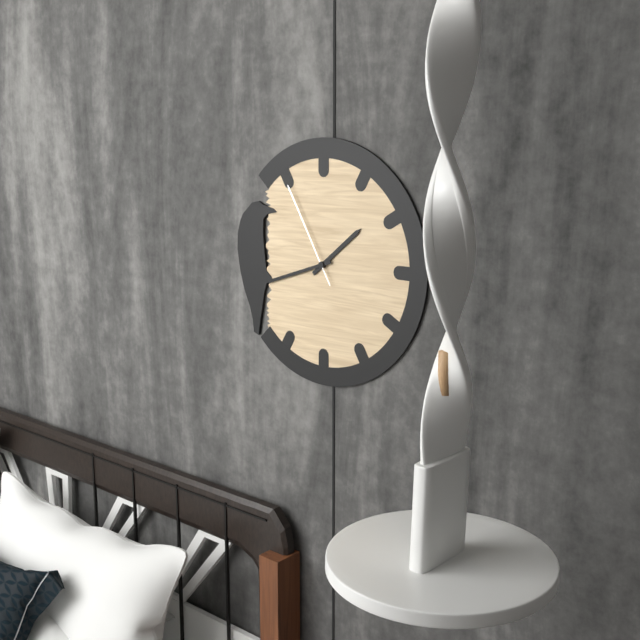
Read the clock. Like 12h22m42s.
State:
1h42m55s
